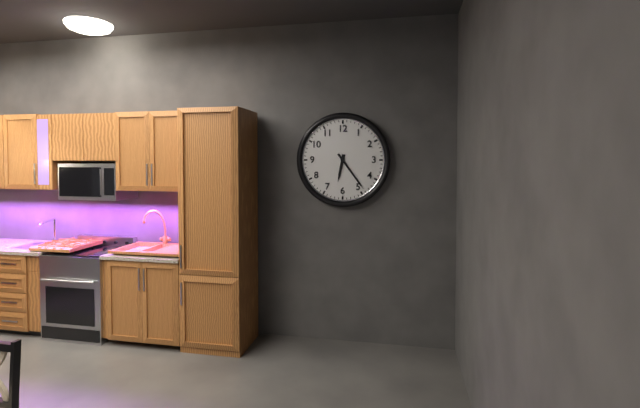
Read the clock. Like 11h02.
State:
6h24
